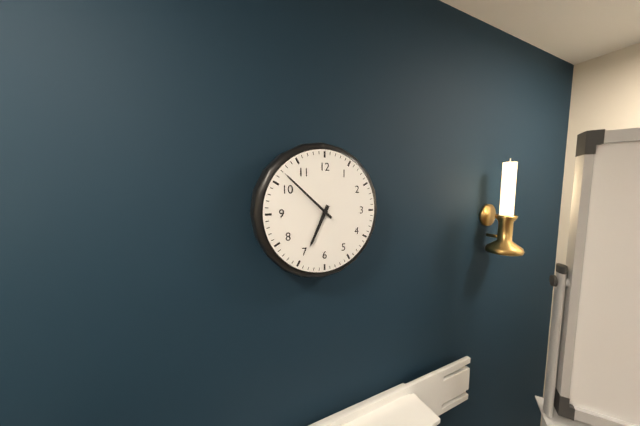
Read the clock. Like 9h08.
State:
6h52
